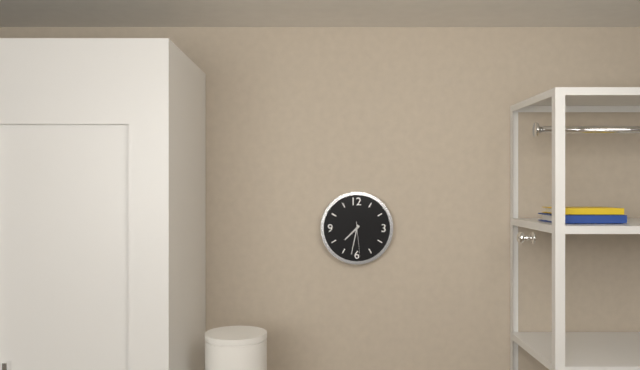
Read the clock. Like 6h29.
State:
7h32
